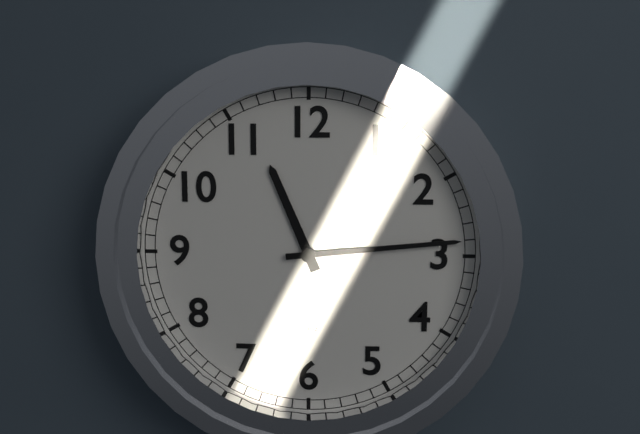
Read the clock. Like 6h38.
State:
11h14
